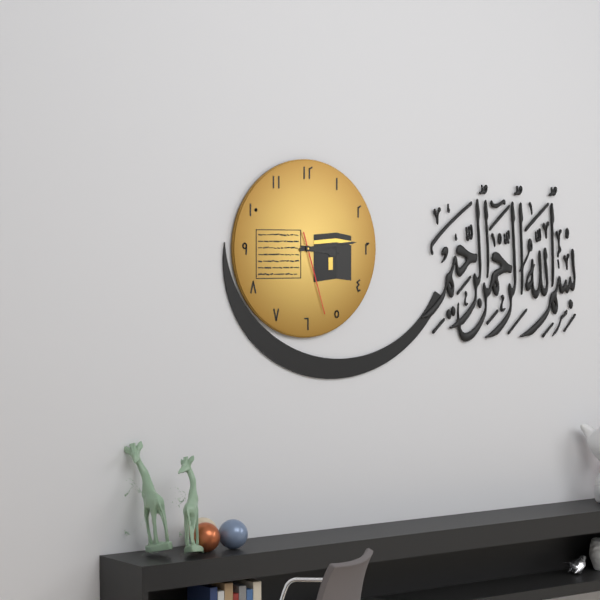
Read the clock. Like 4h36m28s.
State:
3h14m27s
